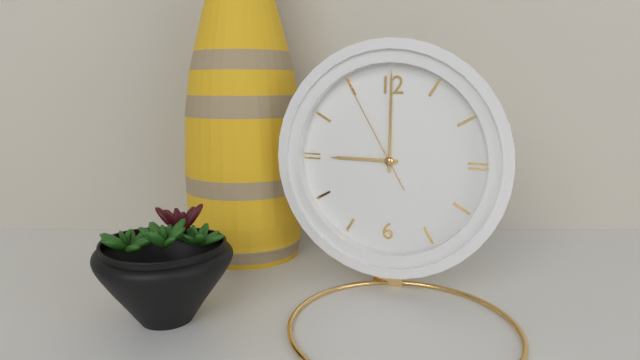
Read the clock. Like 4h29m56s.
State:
9h00m55s
